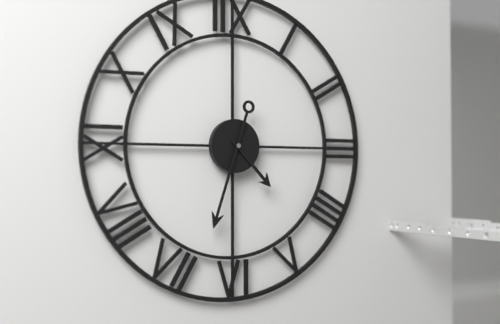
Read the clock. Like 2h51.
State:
4h33
